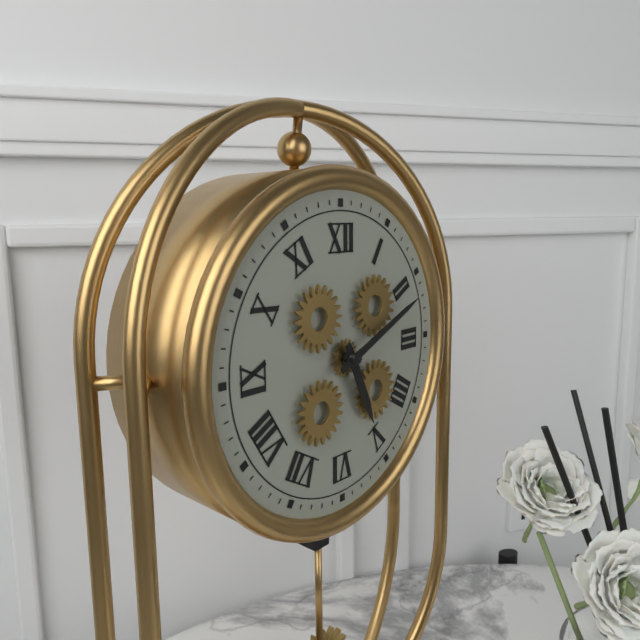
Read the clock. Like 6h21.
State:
5h11
